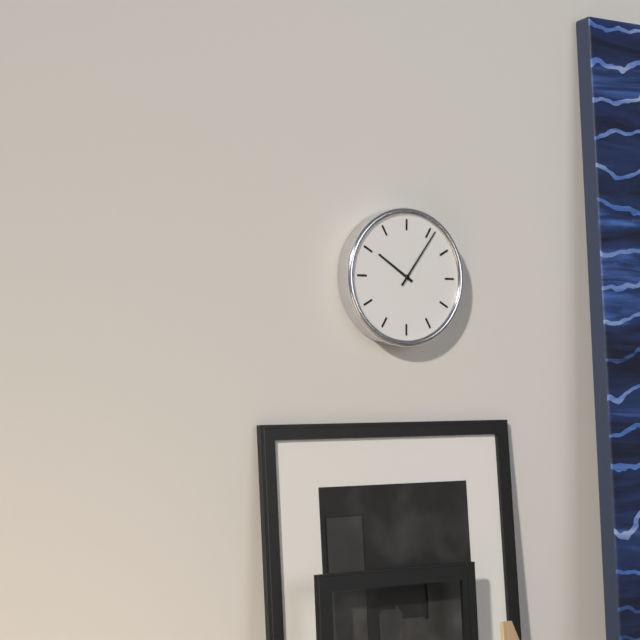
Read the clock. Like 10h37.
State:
10h06
